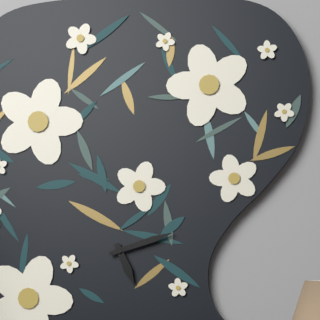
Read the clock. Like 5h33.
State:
5h12
